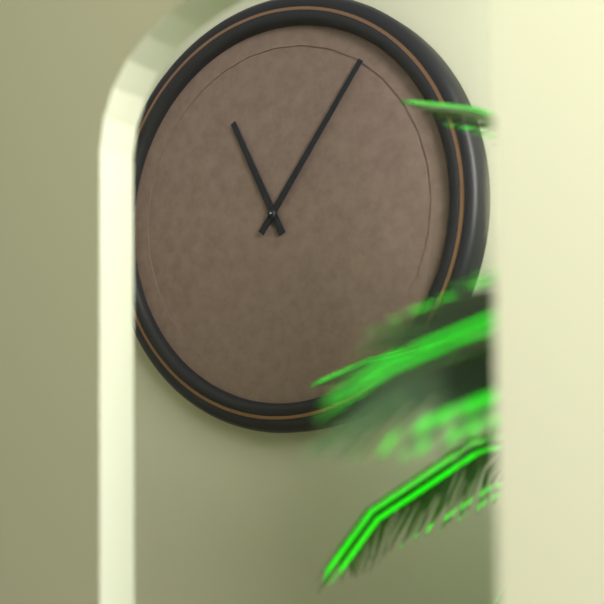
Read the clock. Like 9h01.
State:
11h06
